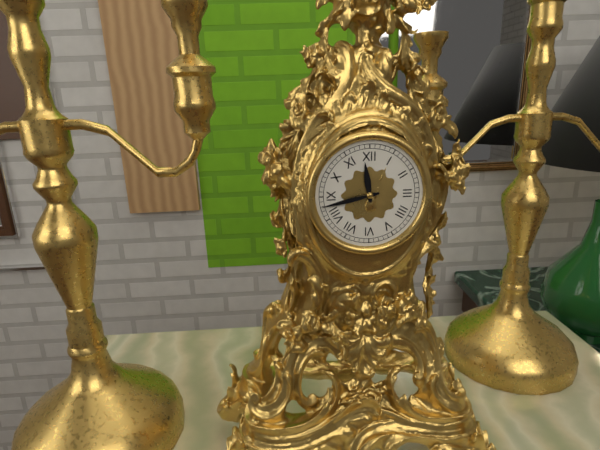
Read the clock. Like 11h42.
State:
11h43
